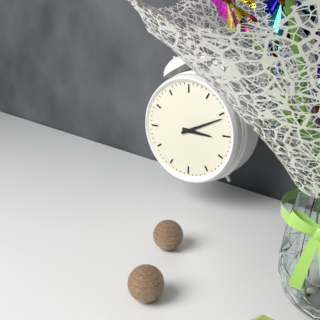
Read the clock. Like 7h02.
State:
3h11
